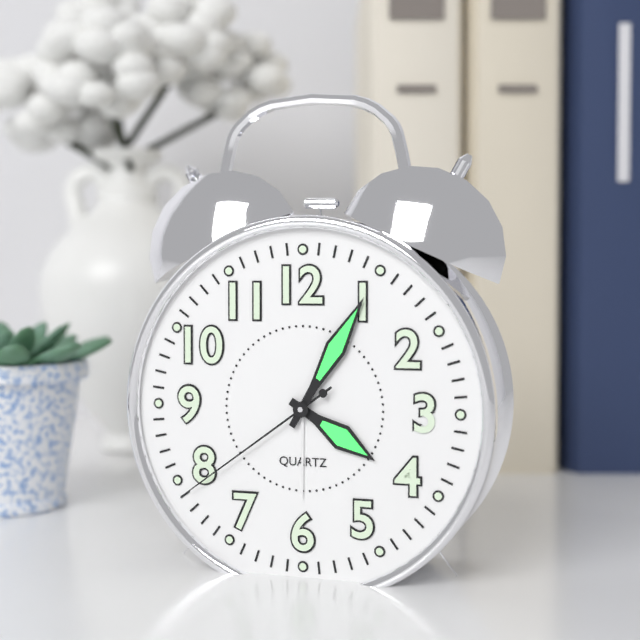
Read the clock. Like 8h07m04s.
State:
4h05m39s
